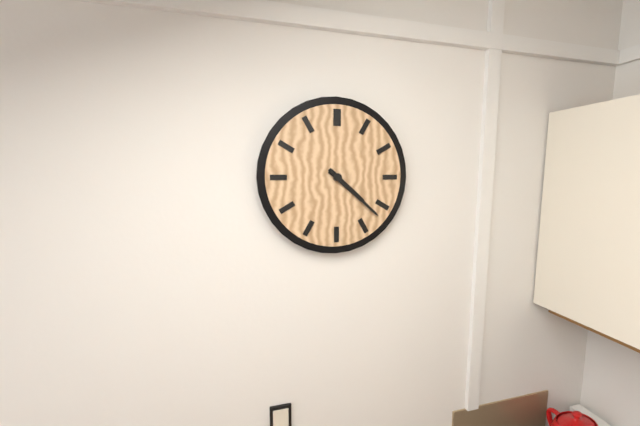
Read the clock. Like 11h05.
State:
4h22
